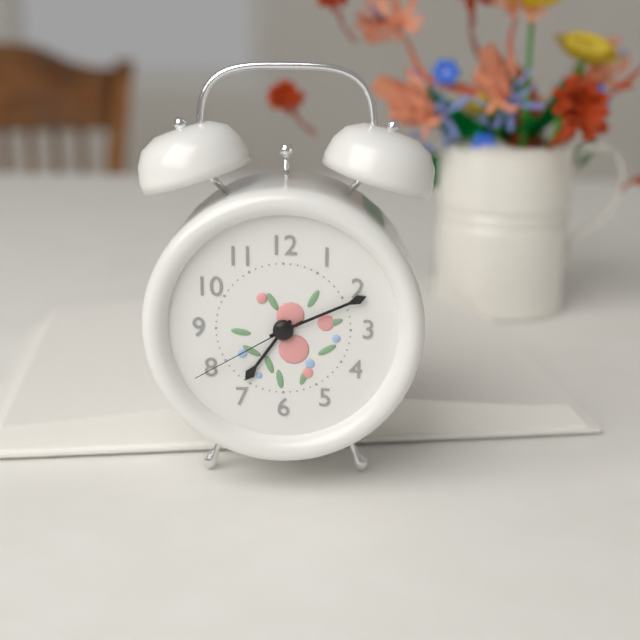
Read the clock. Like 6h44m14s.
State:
7h11m40s
